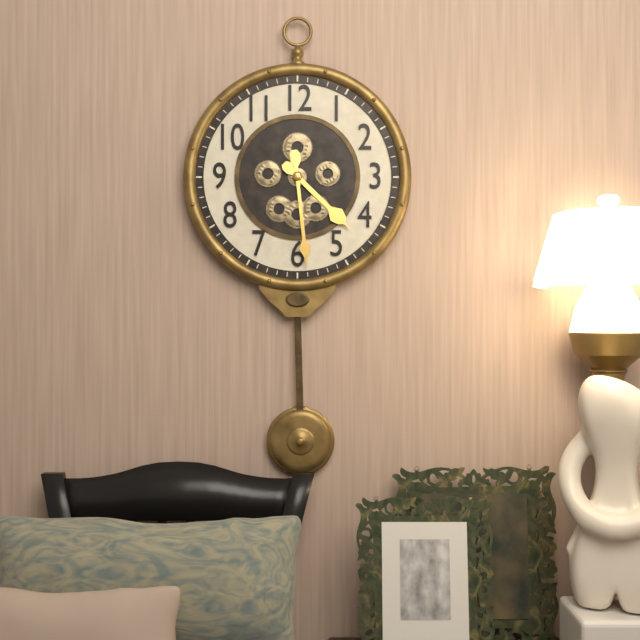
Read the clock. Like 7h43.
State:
4h29
